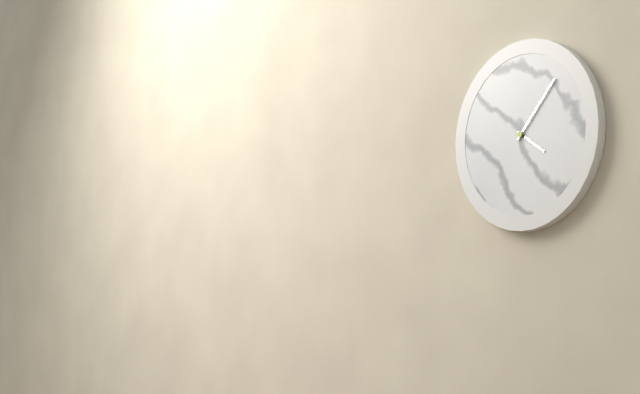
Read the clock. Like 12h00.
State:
4h07
